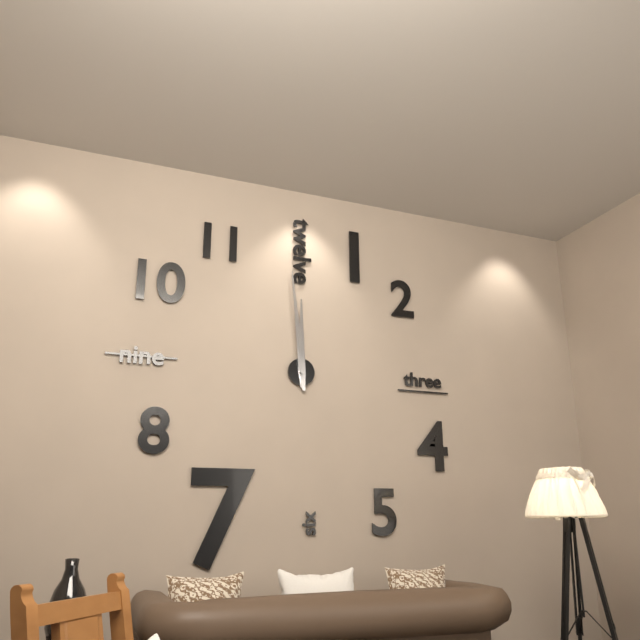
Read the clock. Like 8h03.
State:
11h59
